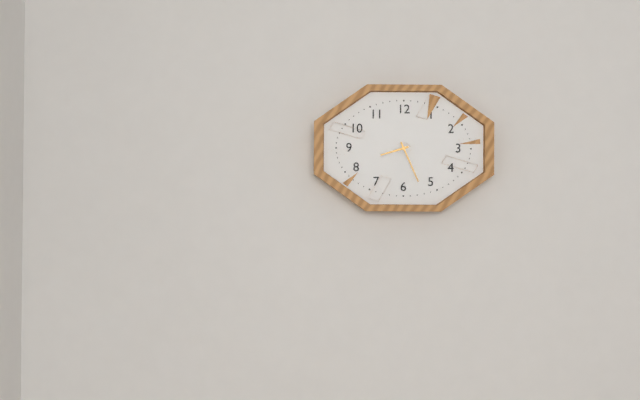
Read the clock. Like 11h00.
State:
8h26
